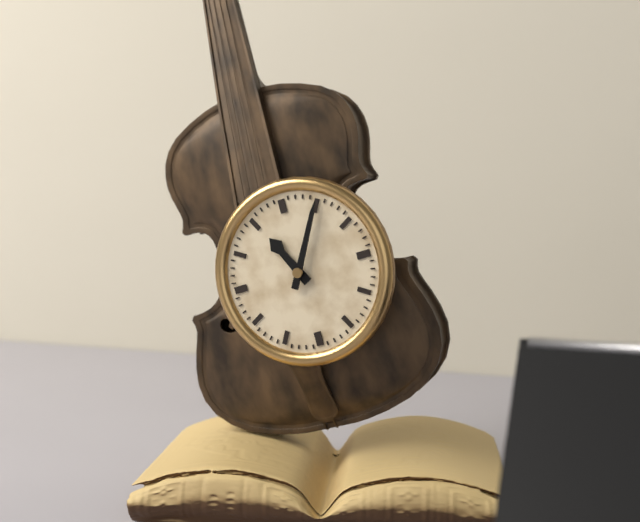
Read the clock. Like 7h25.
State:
11h05
